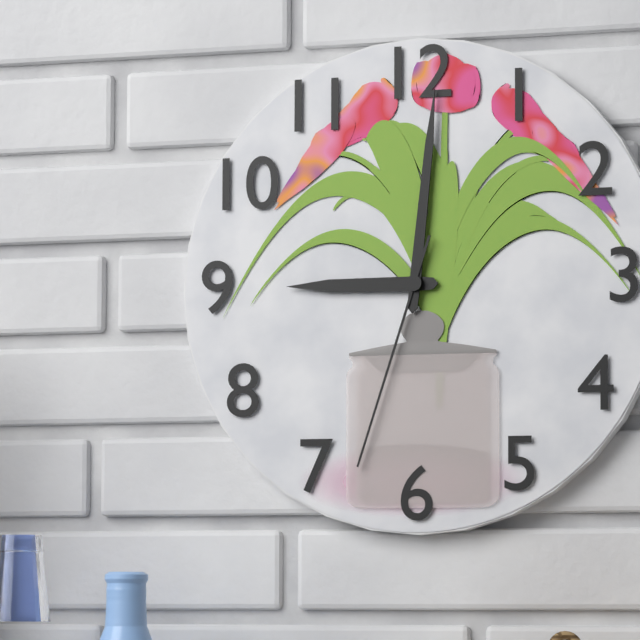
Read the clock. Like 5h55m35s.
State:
9h01m33s
